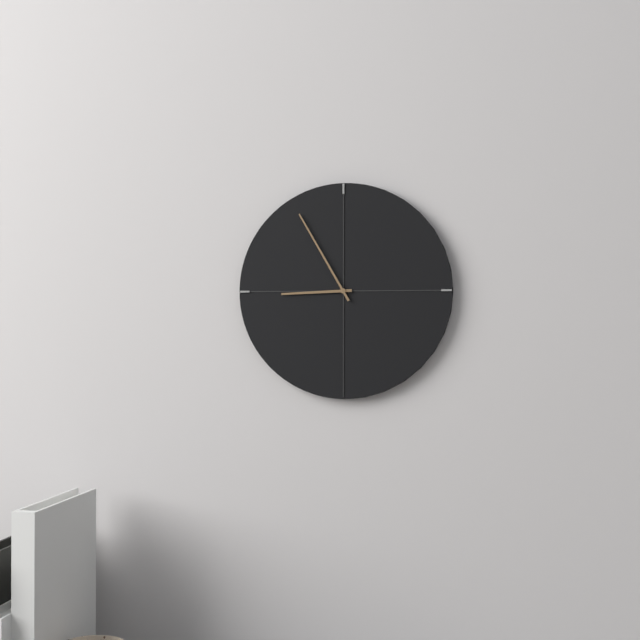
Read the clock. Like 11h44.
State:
8h55
